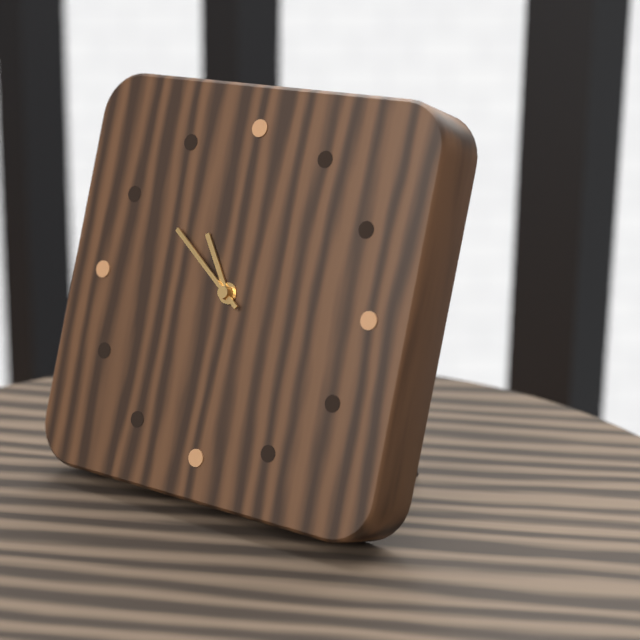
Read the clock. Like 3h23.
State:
10h51
